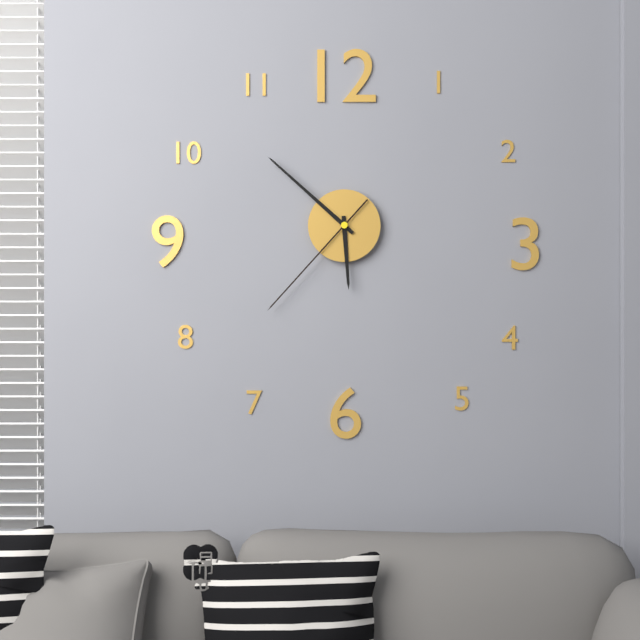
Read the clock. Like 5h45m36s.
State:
5h52m37s
